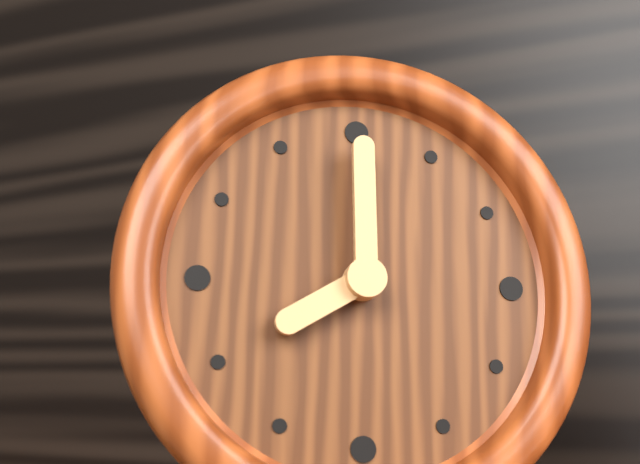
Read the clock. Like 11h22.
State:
8h00
